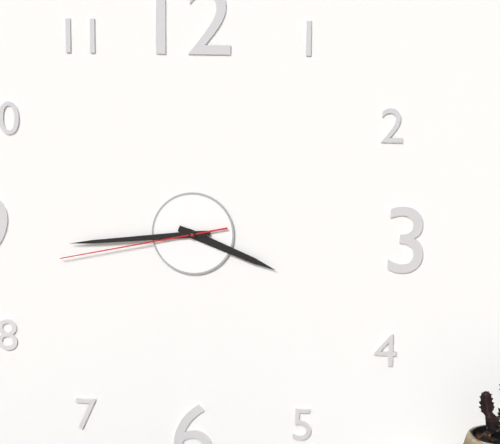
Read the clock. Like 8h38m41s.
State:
3h44m43s
